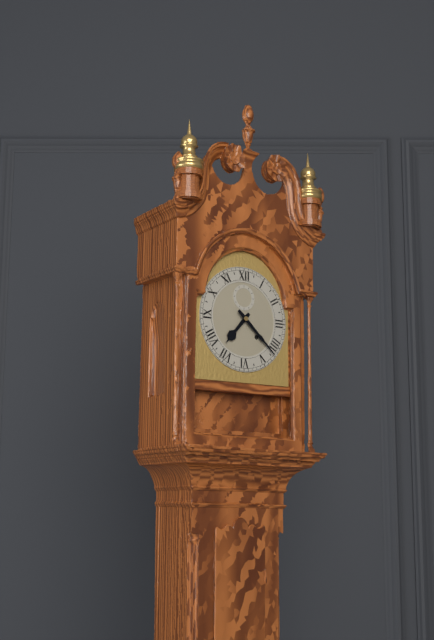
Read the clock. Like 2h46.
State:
7h22
